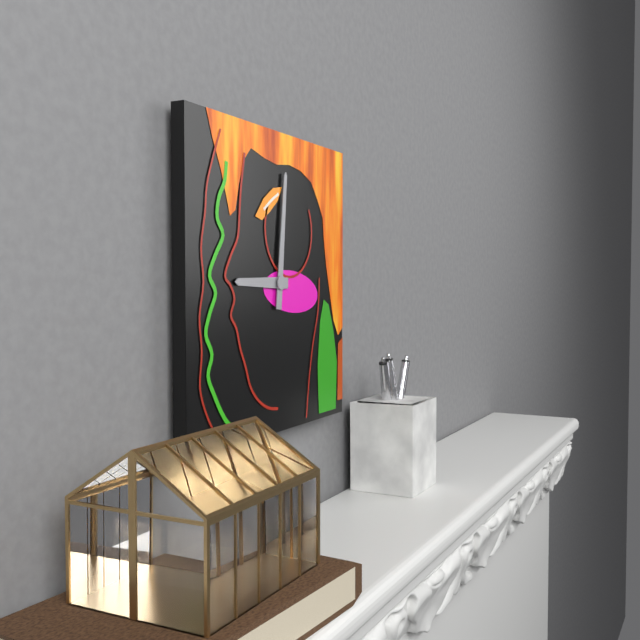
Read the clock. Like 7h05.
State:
9h01
